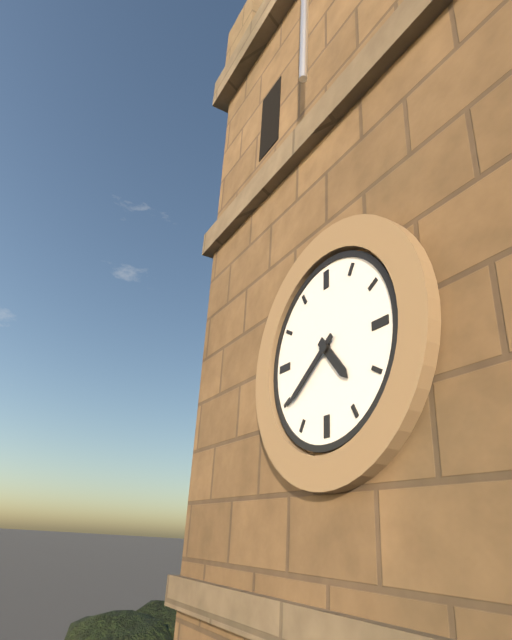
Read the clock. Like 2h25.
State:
4h39
